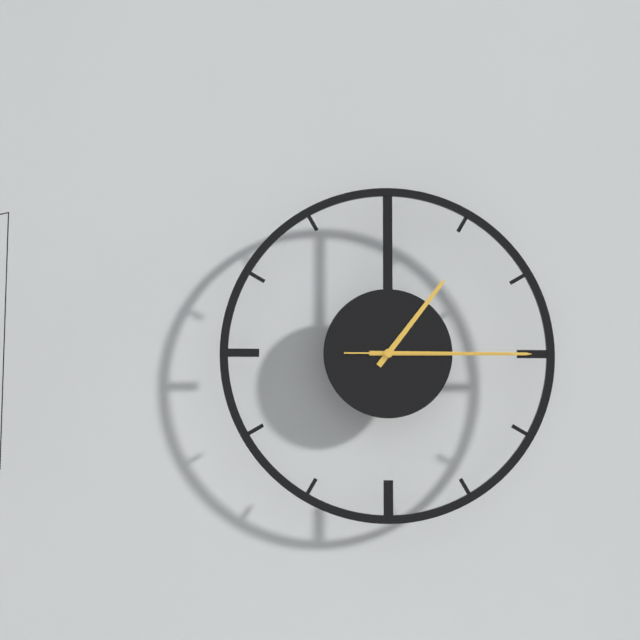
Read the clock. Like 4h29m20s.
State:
1h15m15s
